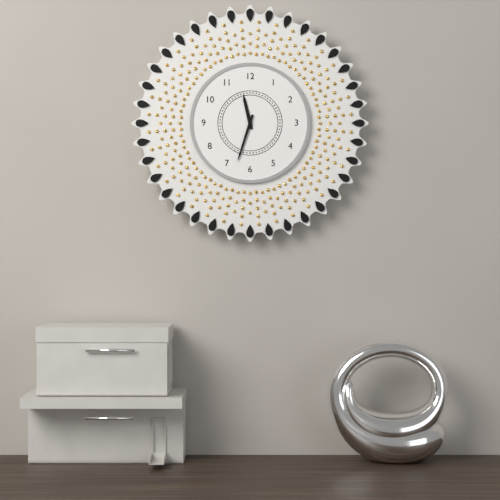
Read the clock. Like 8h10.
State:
11h33
